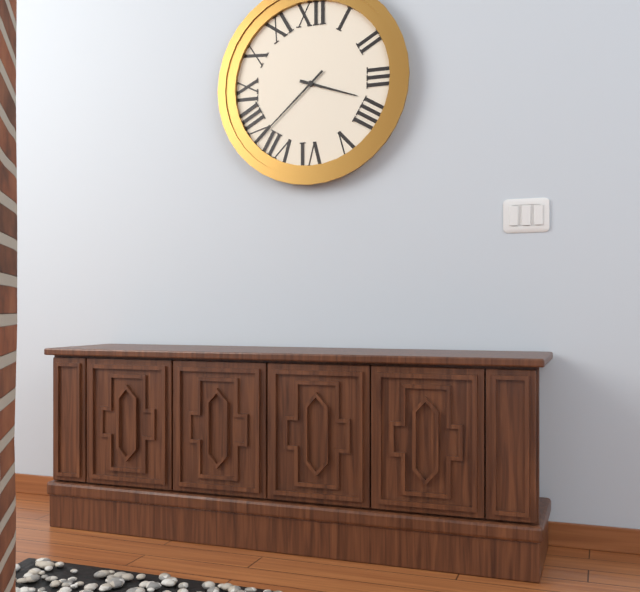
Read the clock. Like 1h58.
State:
3h38
